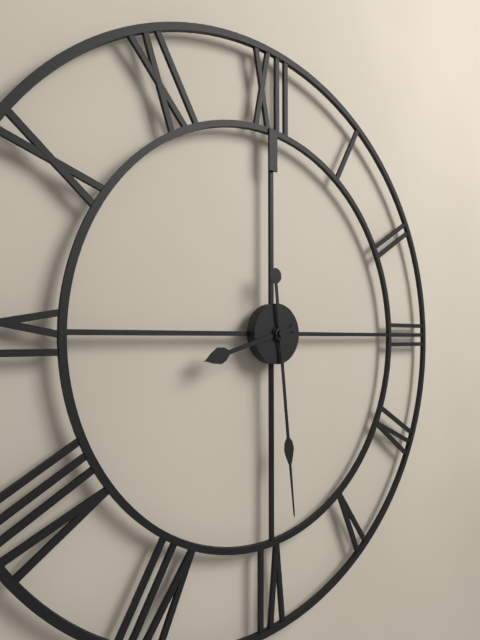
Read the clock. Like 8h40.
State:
8h29
